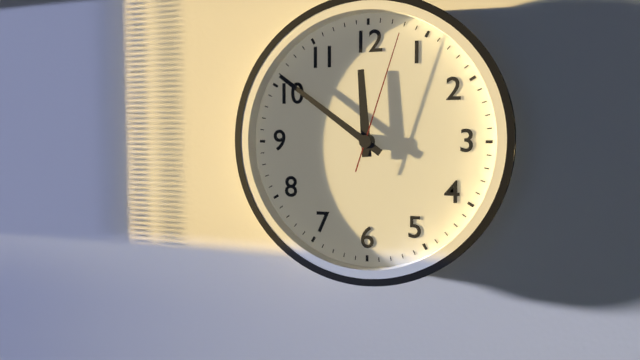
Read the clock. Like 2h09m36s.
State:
11h51m03s
